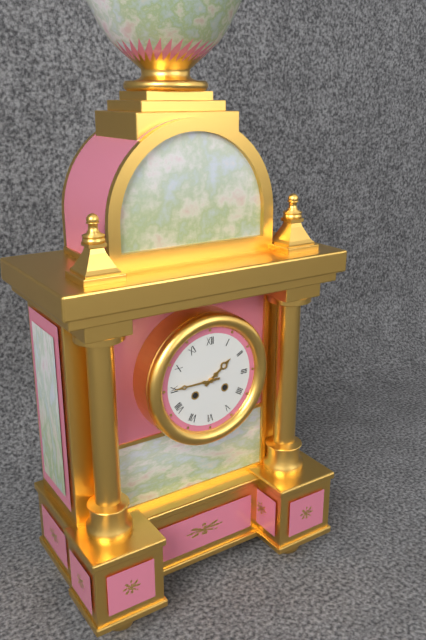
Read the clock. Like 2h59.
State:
1h45
